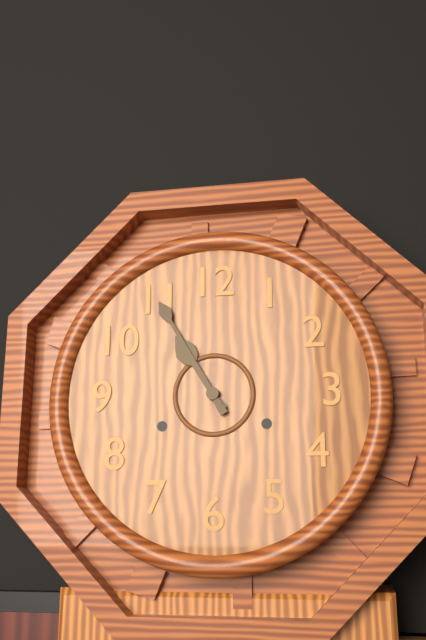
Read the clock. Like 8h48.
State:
10h55
